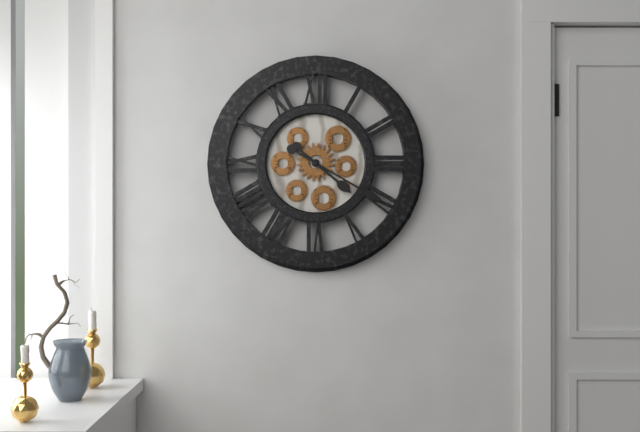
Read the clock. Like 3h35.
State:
4h20
